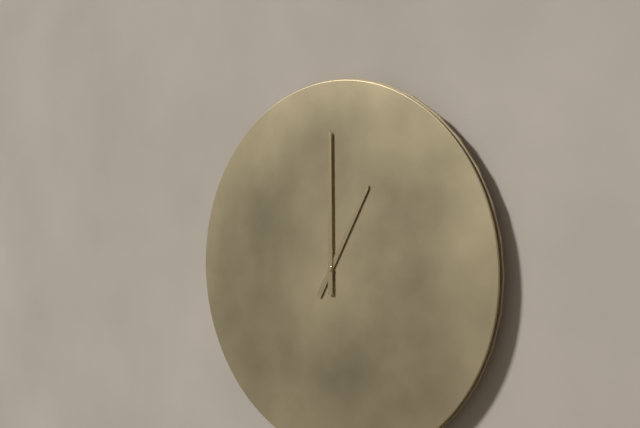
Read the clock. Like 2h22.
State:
1h00
